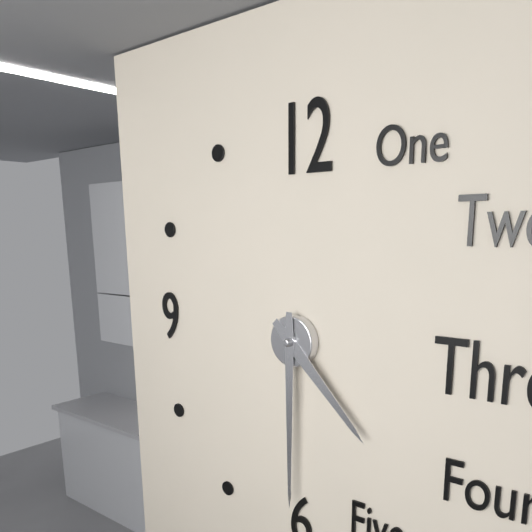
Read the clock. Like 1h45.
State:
4h30
